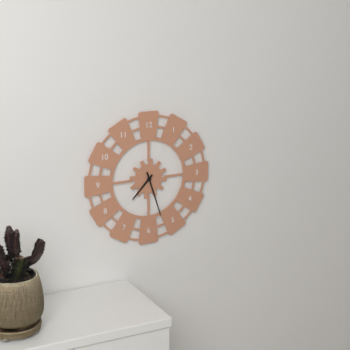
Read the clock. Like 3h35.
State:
7h27
